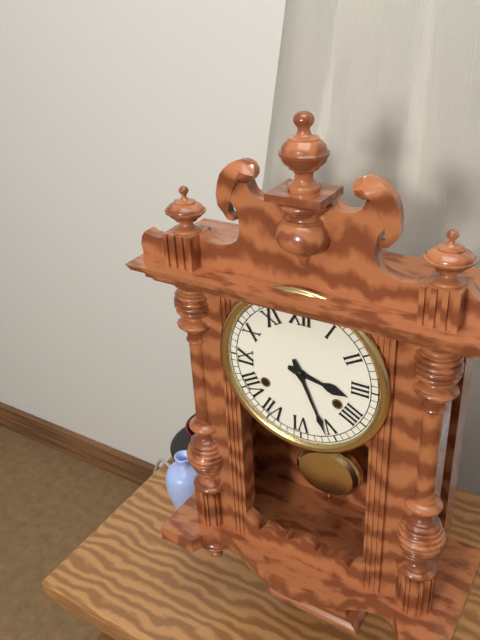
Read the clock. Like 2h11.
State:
3h26
